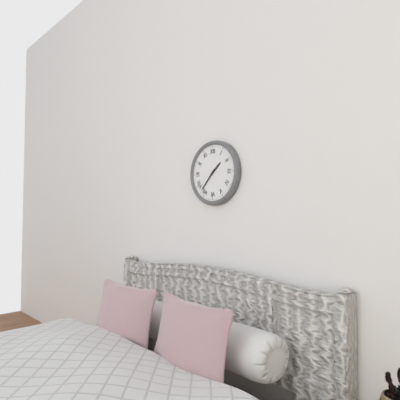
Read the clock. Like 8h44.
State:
1h37
